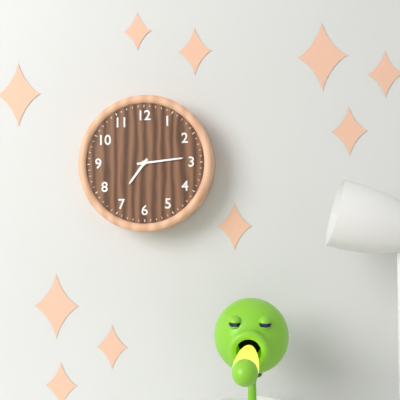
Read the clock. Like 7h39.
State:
7h14
